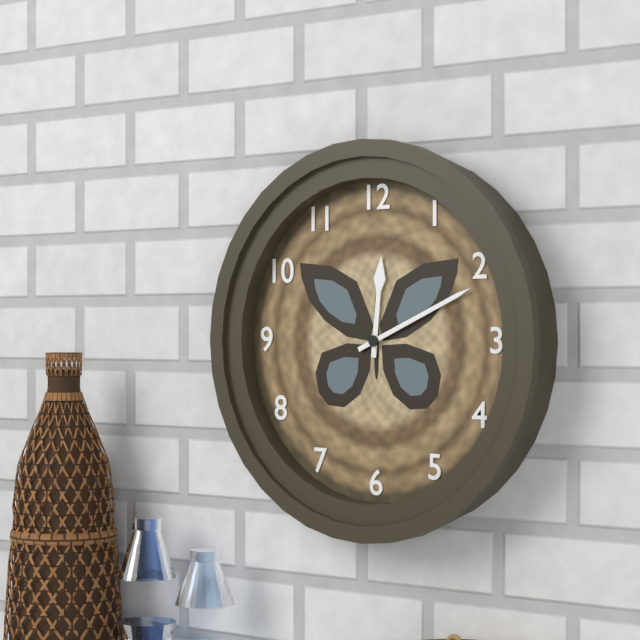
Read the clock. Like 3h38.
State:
12h11
